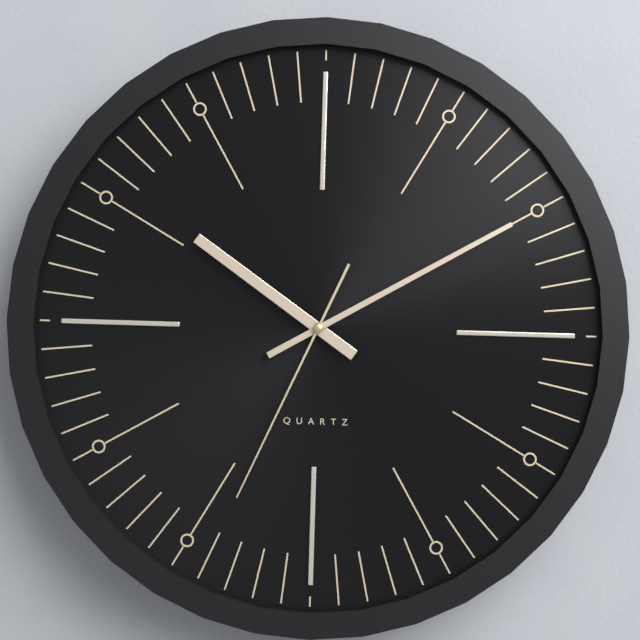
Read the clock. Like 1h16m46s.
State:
10h10m34s
